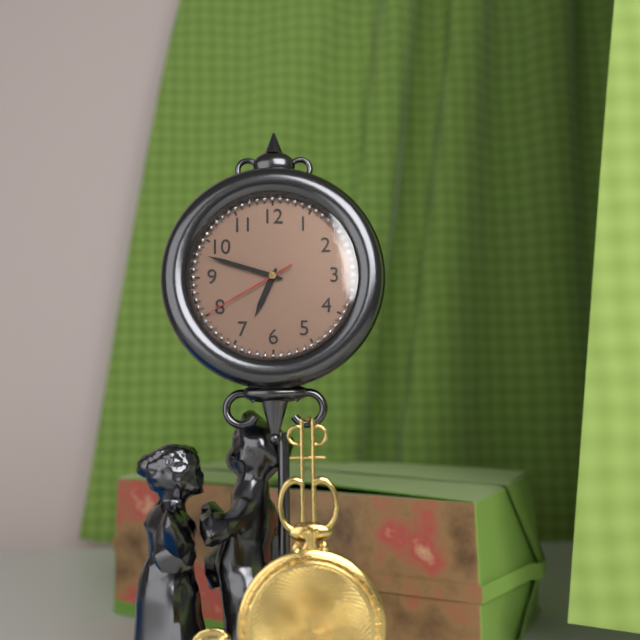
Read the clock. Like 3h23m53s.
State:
6h48m40s
